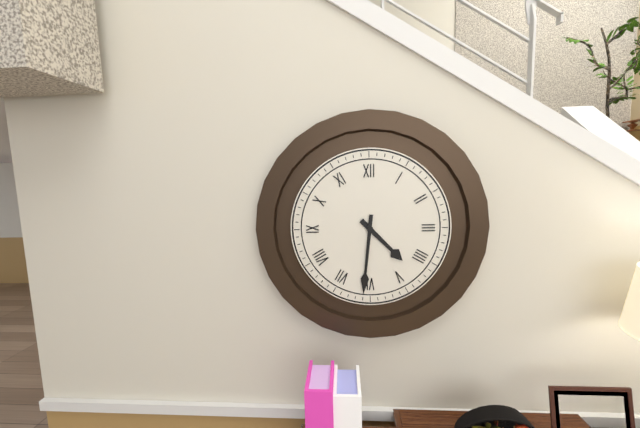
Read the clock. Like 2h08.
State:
4h31
